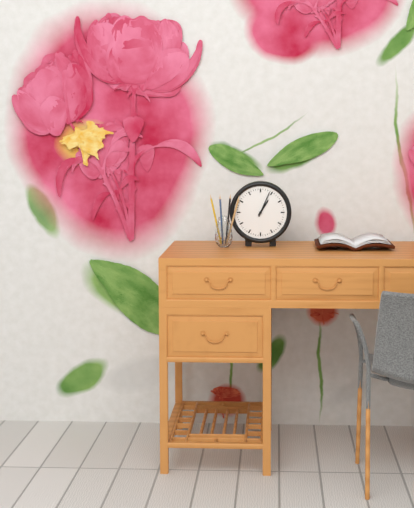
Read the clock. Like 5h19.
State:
1h04
